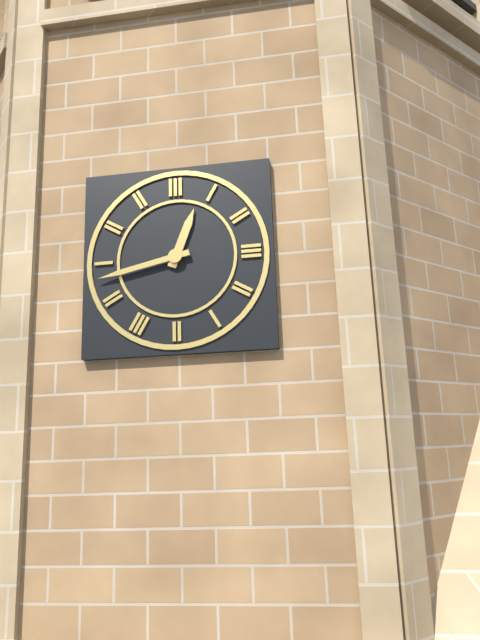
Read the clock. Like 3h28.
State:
12h43
